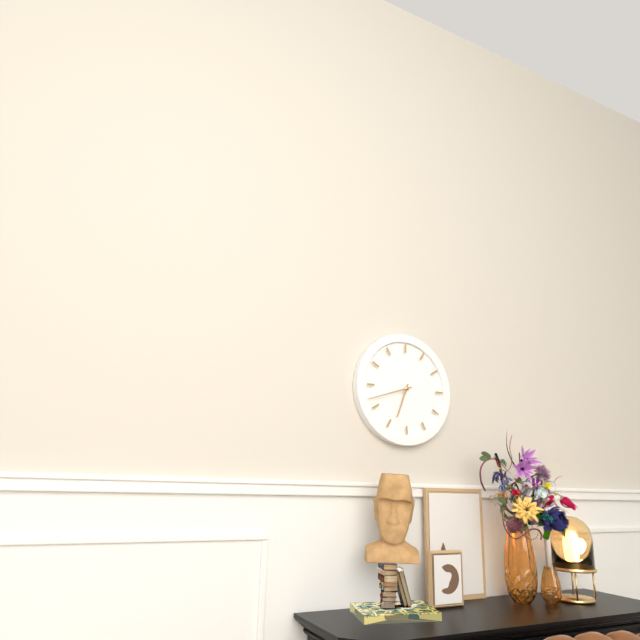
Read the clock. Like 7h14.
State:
6h42
